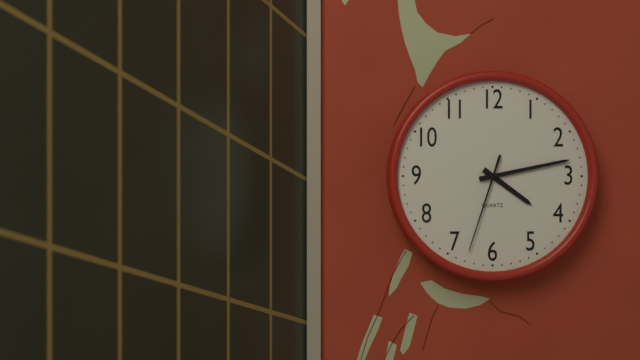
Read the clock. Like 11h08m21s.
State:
4h13m33s
